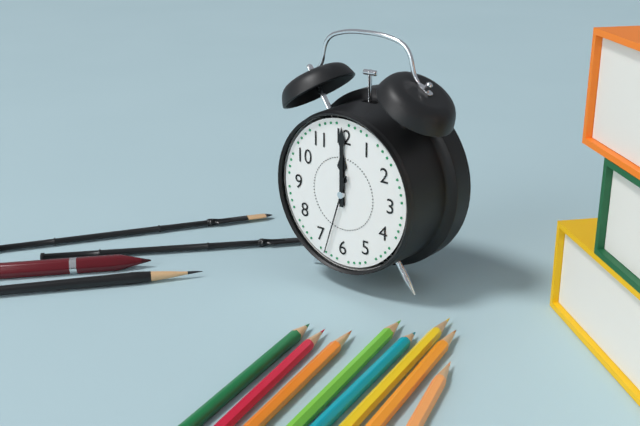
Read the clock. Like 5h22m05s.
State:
12h00m33s
